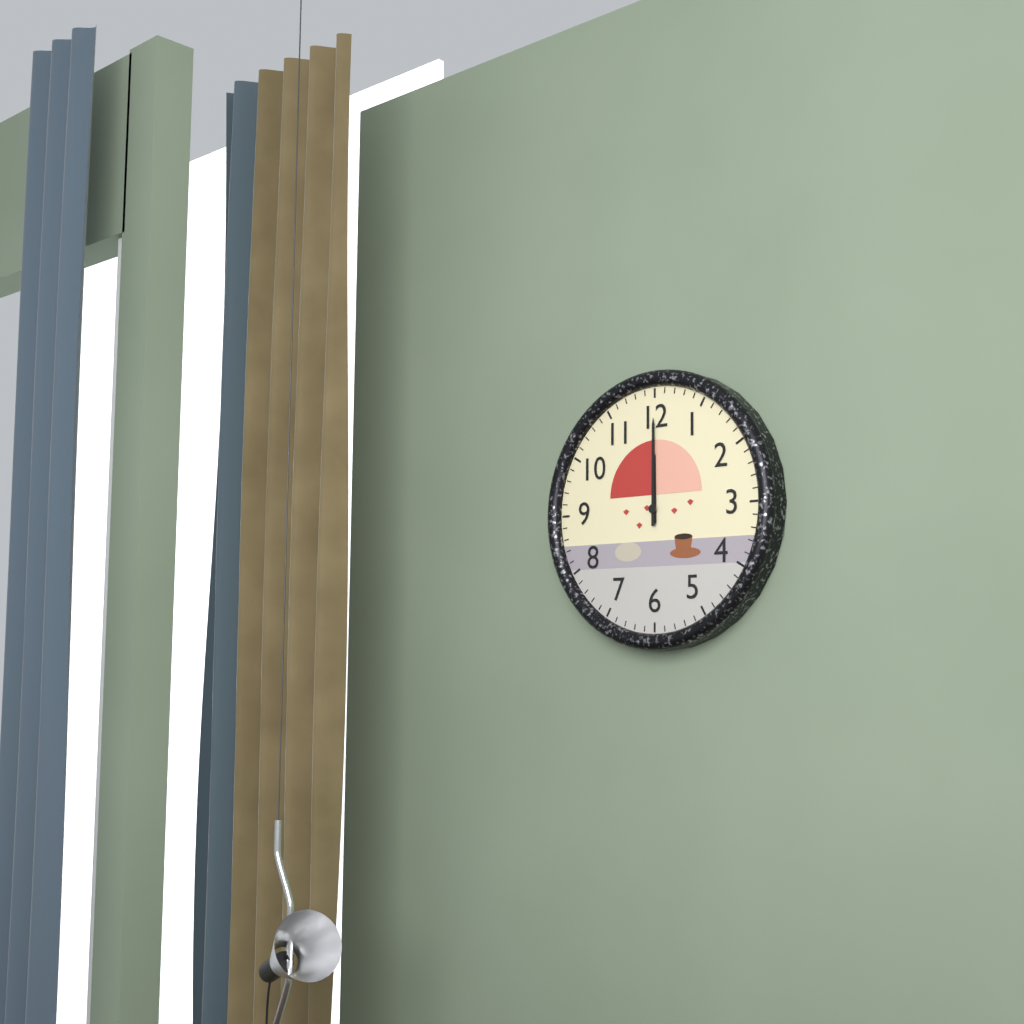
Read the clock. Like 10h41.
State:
12h00
